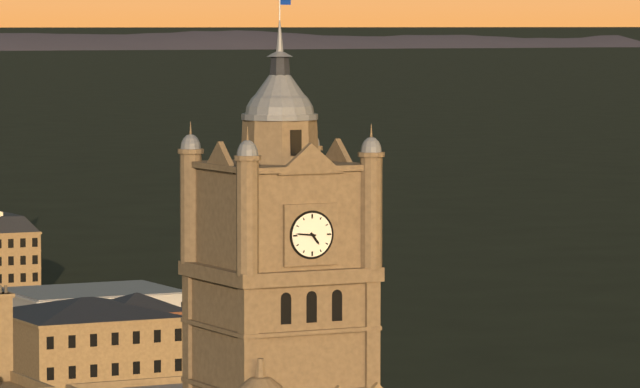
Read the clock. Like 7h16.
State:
4h46
